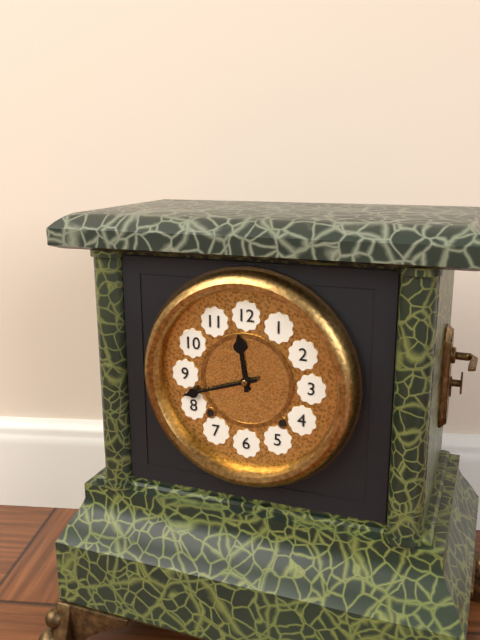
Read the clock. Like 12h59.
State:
11h42
